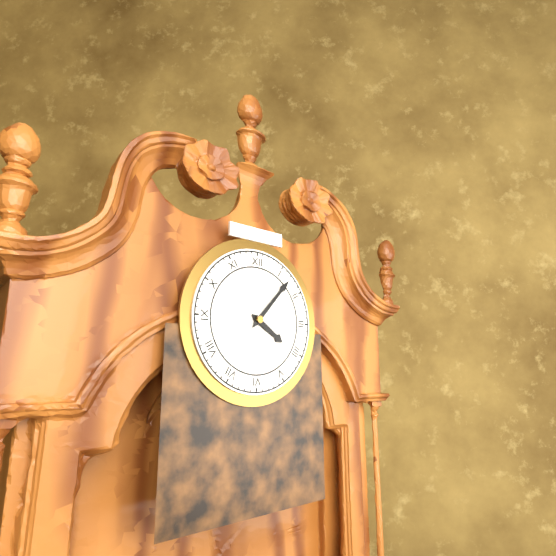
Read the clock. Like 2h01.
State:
4h07
